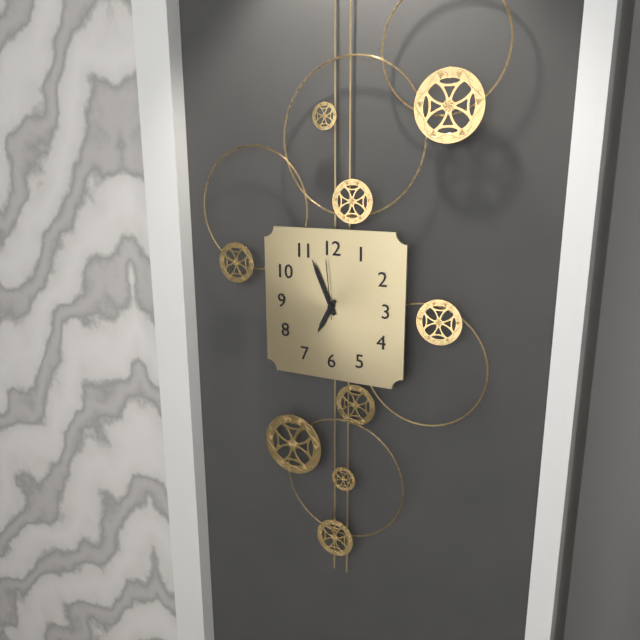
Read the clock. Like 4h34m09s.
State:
6h56m59s
